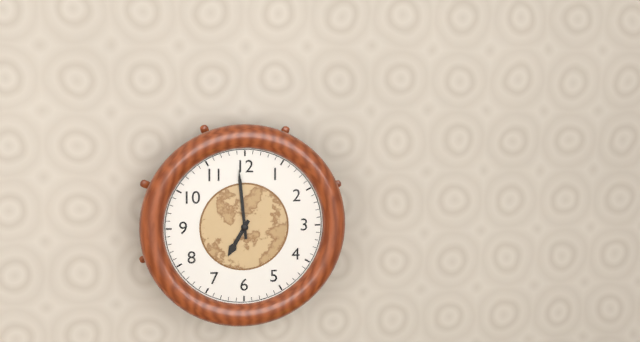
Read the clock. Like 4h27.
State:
6h59
